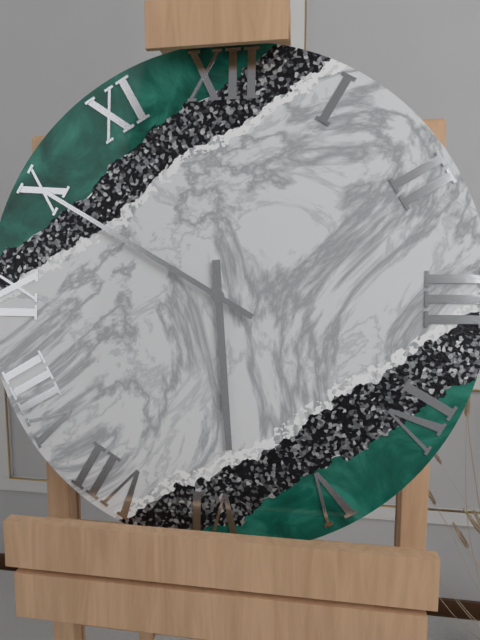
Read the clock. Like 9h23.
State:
5h50
